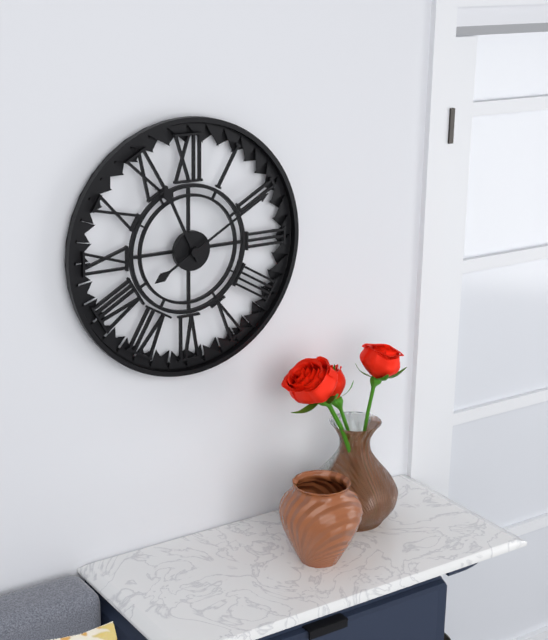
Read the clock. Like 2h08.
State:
11h10
